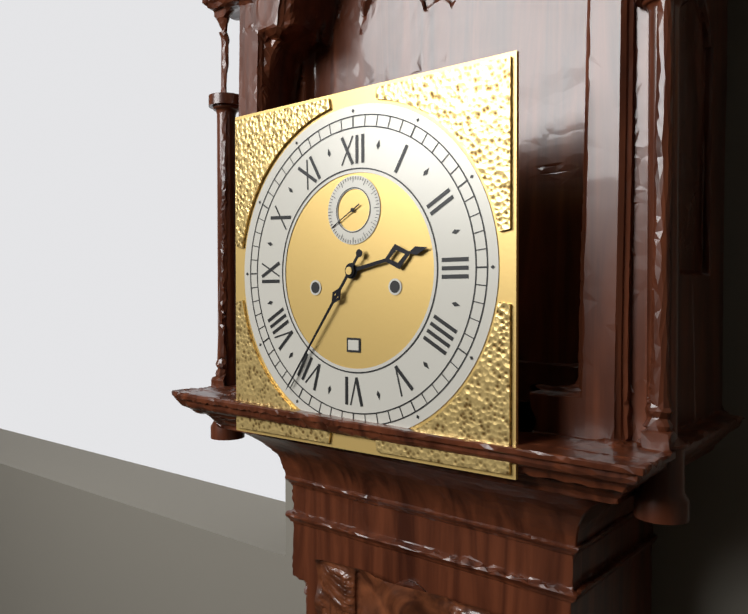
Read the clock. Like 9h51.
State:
2h36
